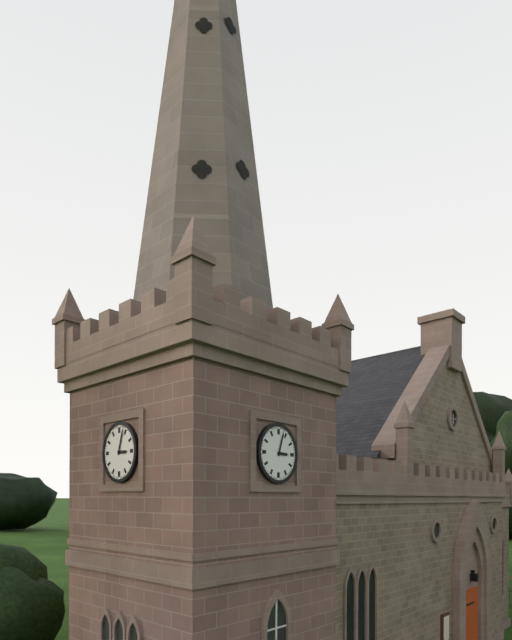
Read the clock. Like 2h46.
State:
3h03
